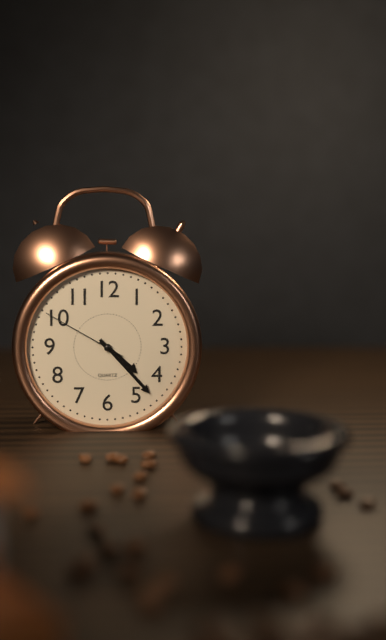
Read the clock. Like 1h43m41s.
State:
4h23m50s
